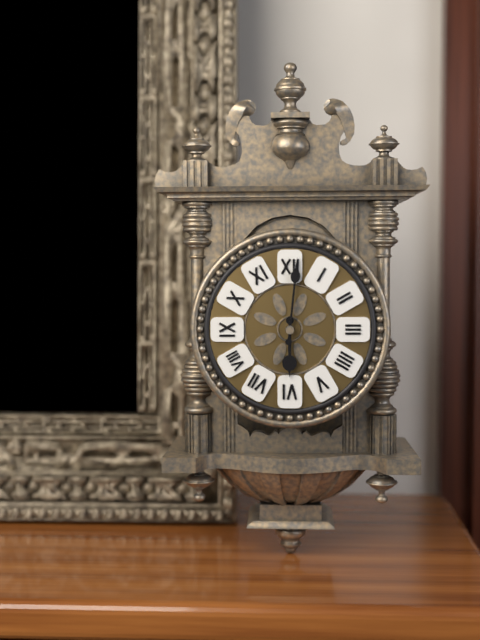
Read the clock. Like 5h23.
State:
6h01
